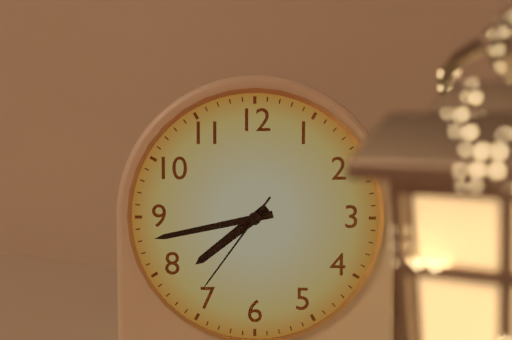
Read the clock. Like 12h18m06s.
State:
7h43m36s
